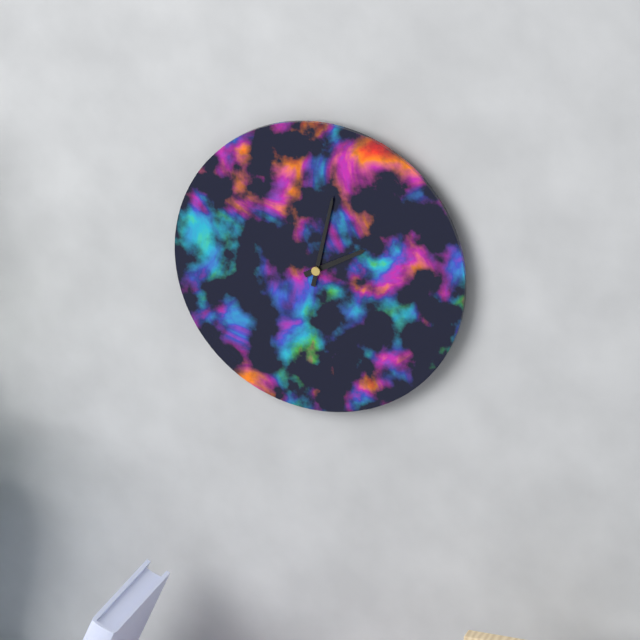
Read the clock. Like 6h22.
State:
2h02
